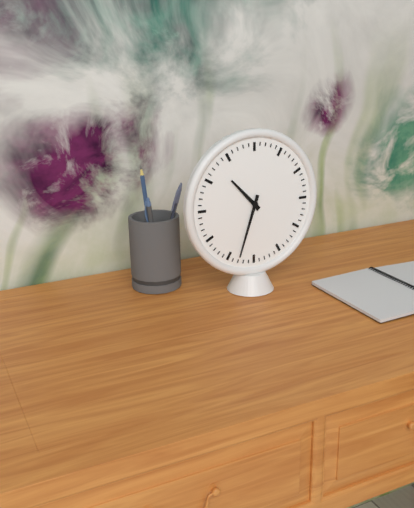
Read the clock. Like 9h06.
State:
10h33
